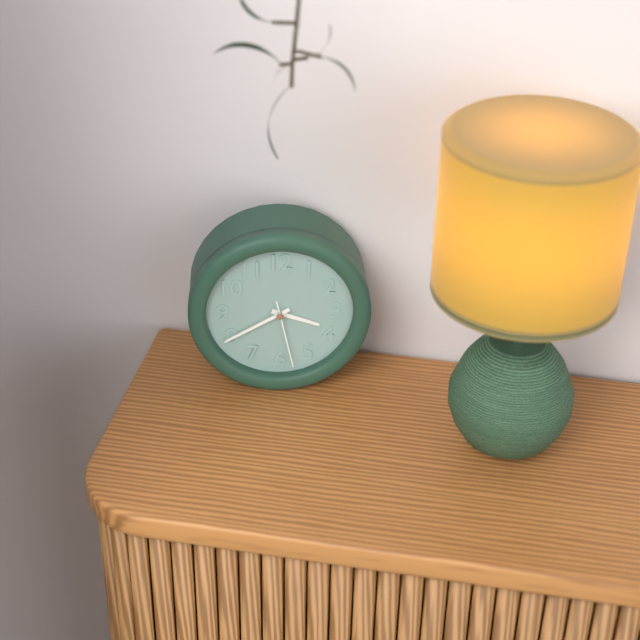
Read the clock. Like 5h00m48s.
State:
3h40m28s
